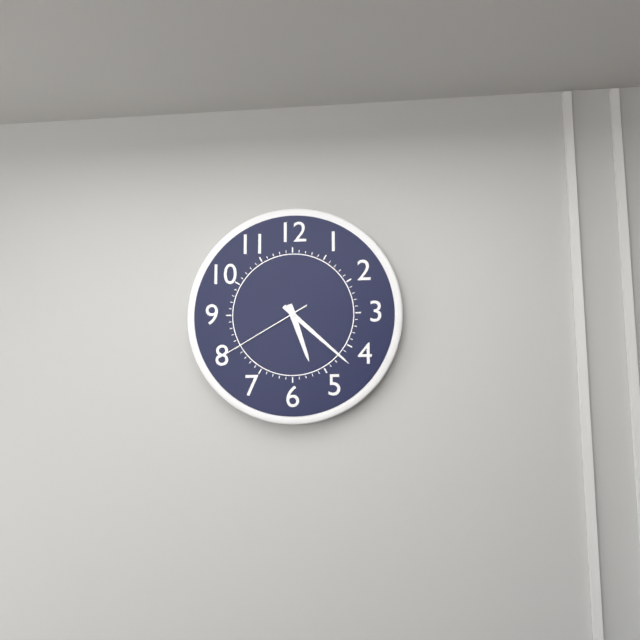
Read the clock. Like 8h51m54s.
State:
5h22m40s
